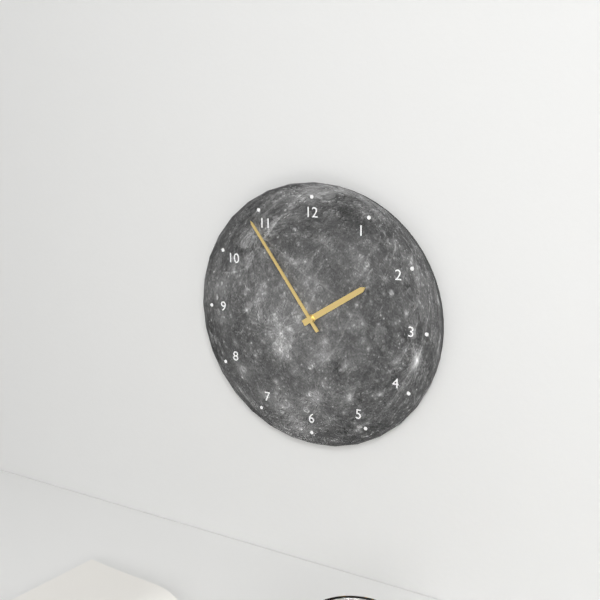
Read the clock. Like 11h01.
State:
1h54
